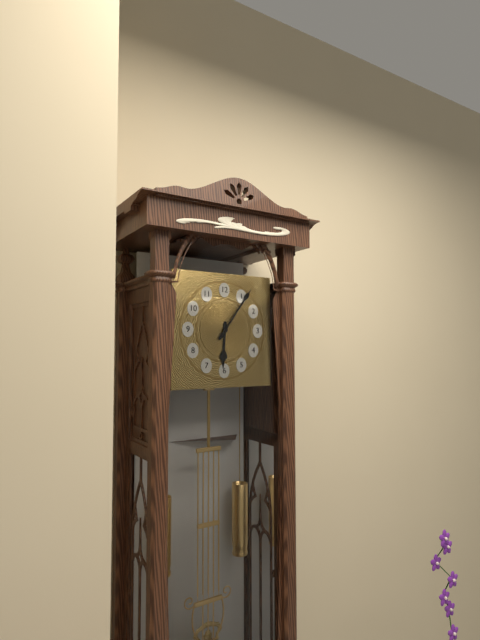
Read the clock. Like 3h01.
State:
6h06
